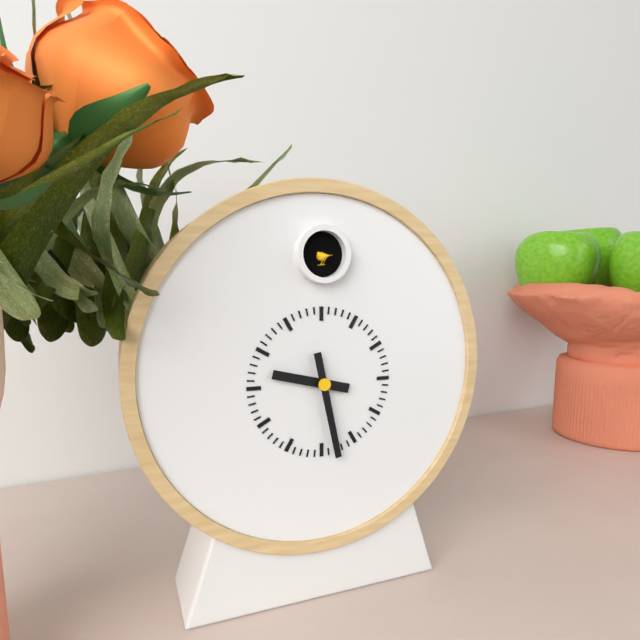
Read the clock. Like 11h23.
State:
9h28
